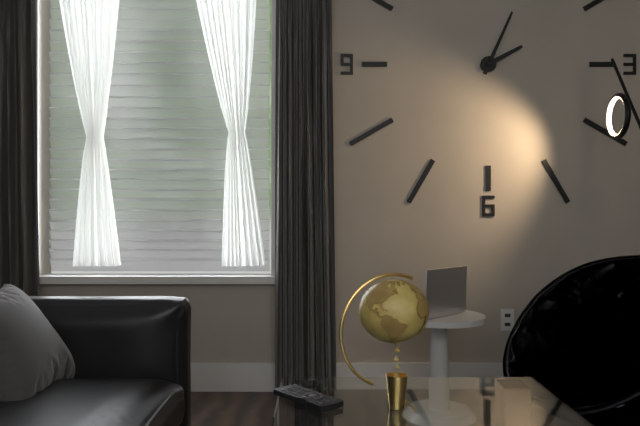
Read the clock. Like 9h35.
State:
2h04
